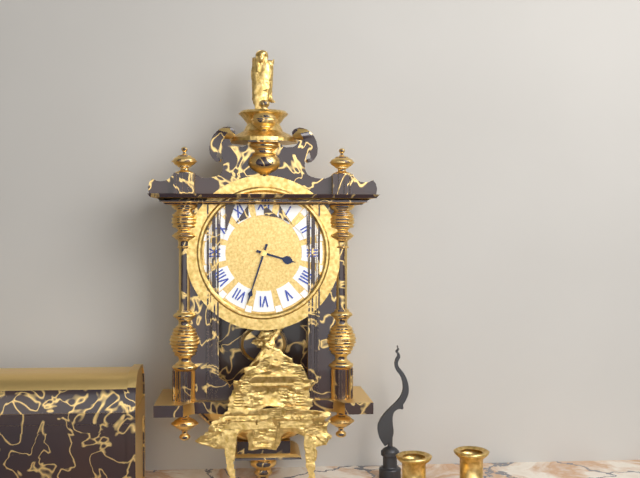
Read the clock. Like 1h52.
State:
3h33
